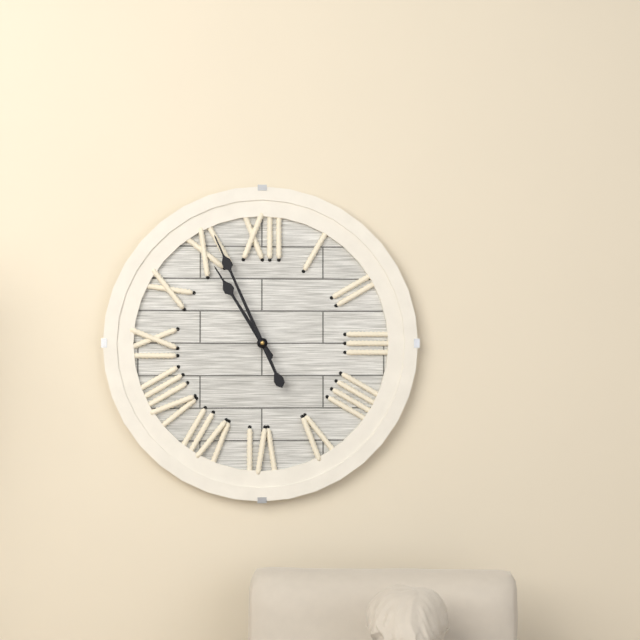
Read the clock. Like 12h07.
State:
10h56
